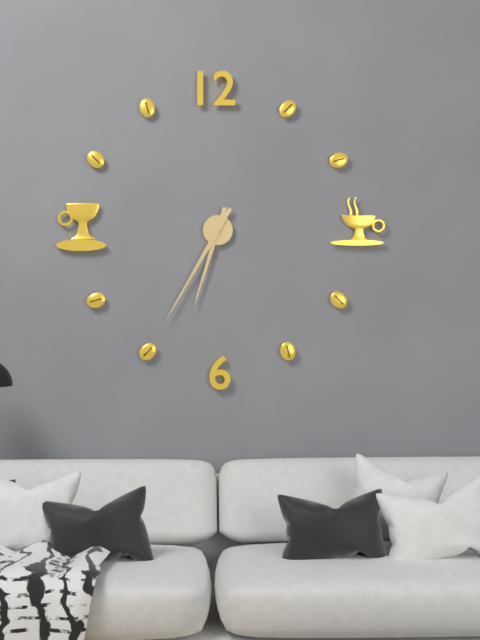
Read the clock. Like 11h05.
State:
6h35
